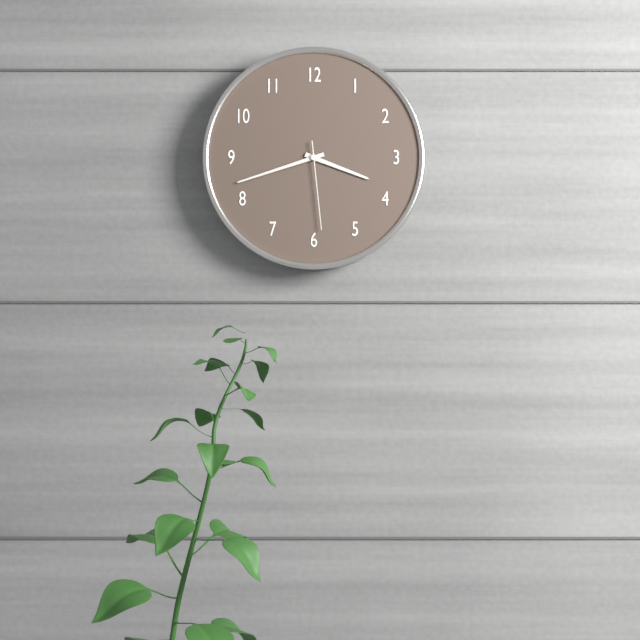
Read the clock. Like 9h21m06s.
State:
3h42m29s
